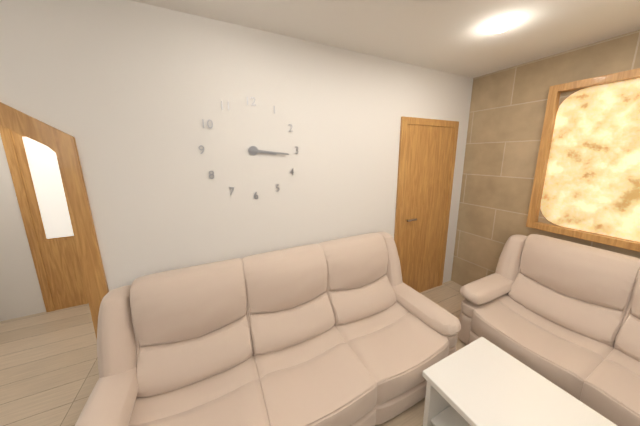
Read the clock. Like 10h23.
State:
3h16
